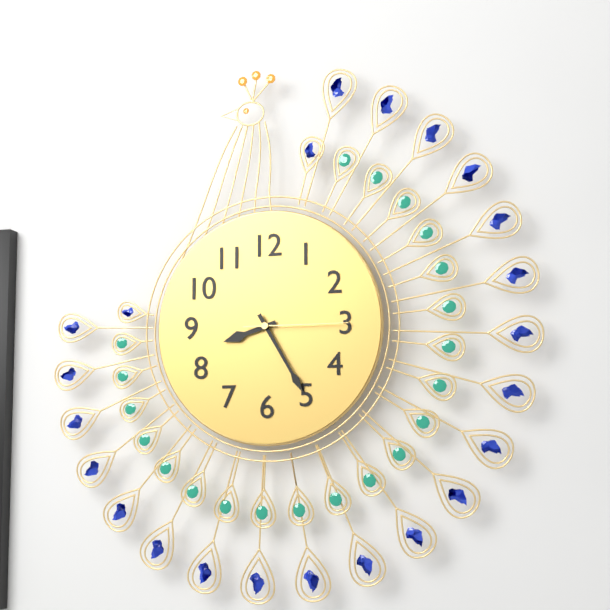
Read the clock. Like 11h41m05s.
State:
8h25m15s
